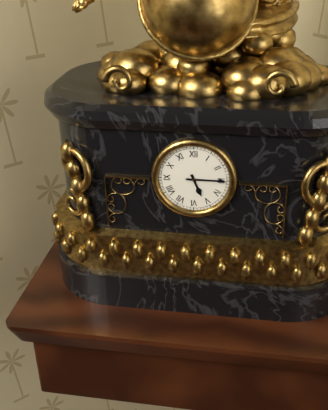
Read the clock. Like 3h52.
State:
5h15
